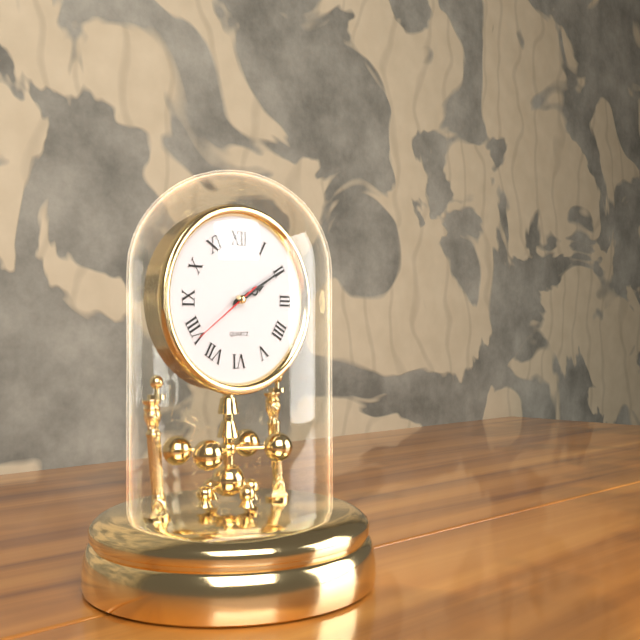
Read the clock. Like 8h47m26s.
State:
2h10m39s
